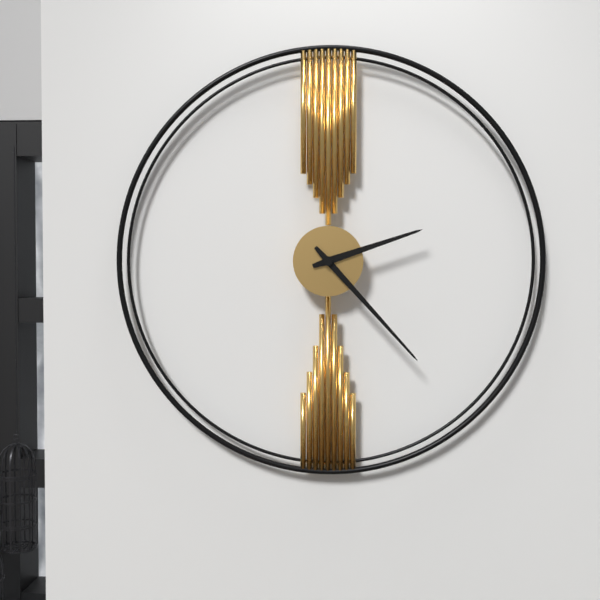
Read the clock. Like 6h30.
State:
2h23
